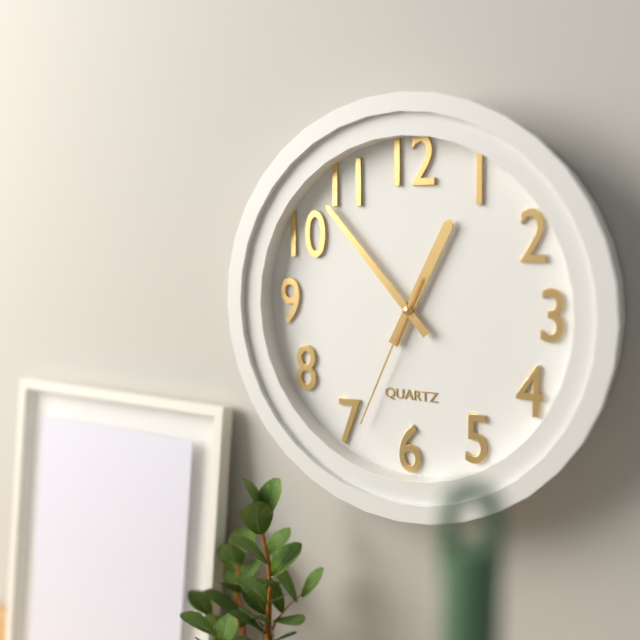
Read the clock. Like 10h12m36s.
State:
12h53m34s
